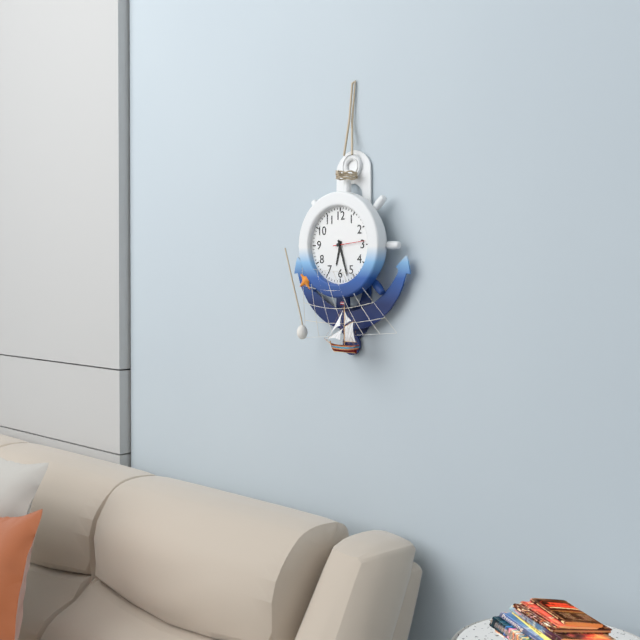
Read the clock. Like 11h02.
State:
6h27
